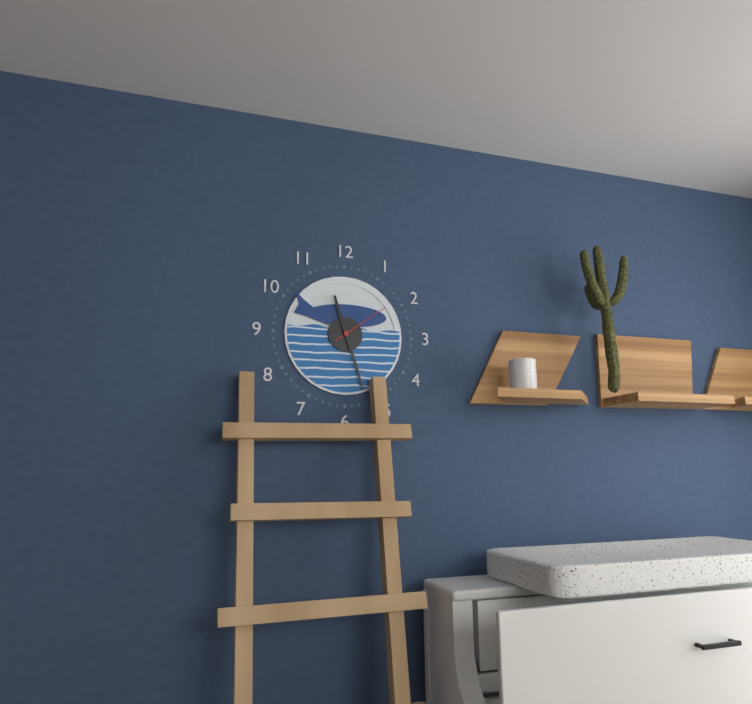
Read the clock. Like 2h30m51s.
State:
11h27m09s
